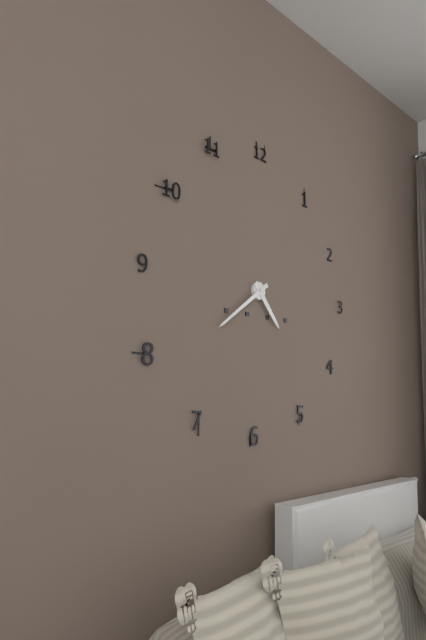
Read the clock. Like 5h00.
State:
4h39
